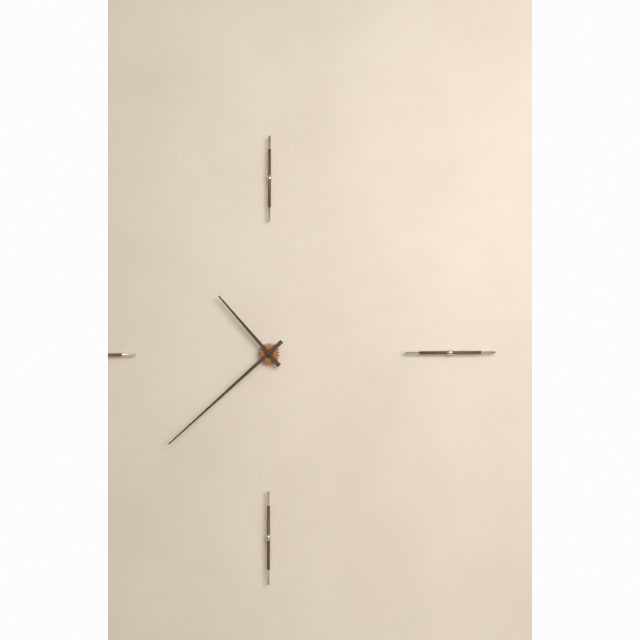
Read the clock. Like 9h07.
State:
10h38
